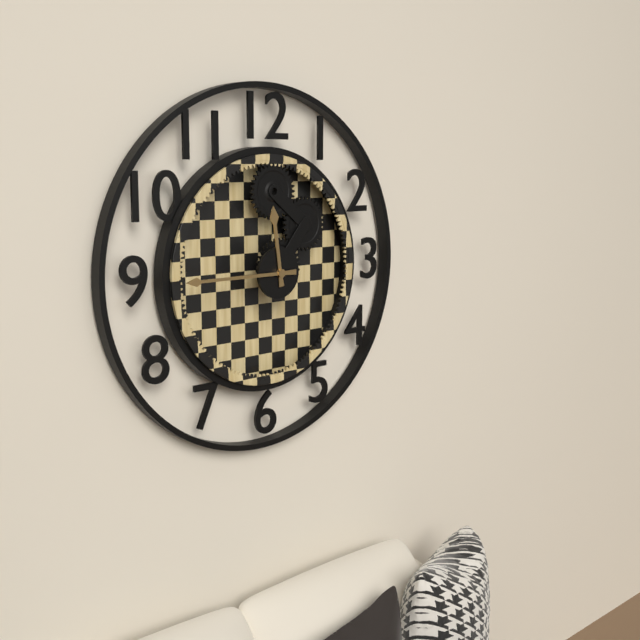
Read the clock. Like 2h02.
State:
11h45
